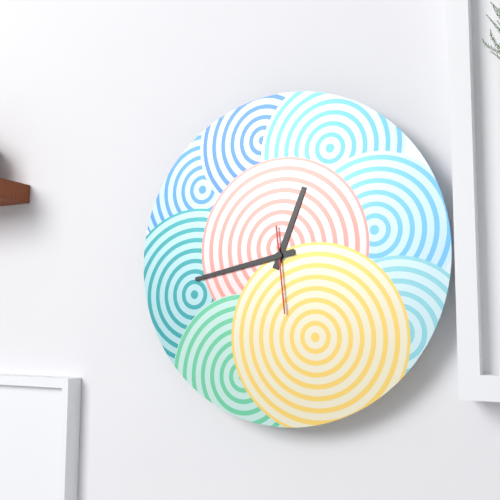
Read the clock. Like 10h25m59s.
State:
12h43m29s
